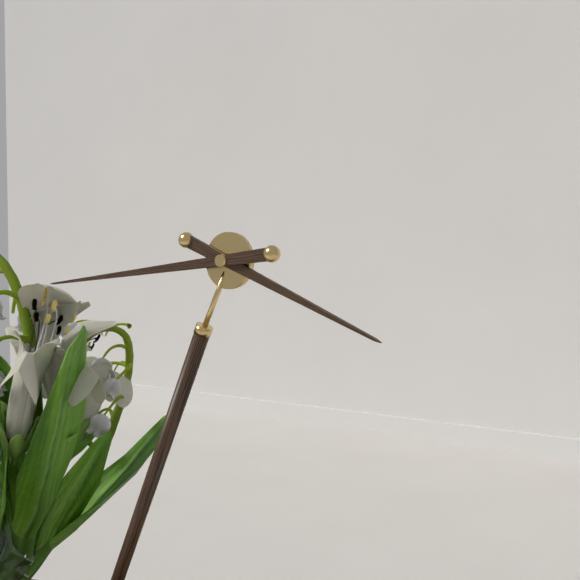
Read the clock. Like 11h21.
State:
3h44
